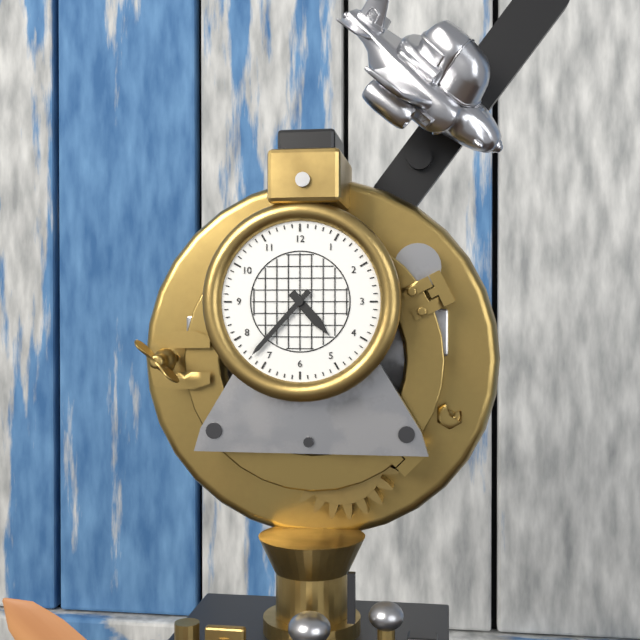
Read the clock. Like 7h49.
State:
4h37
